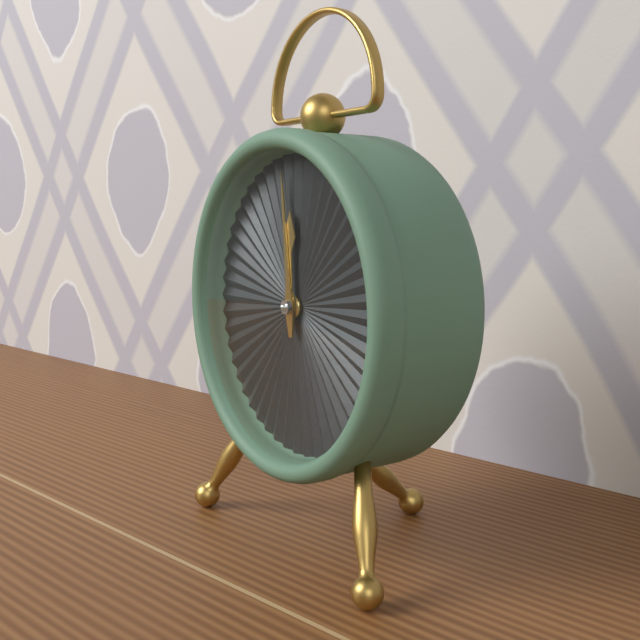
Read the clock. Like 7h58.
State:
11h59
